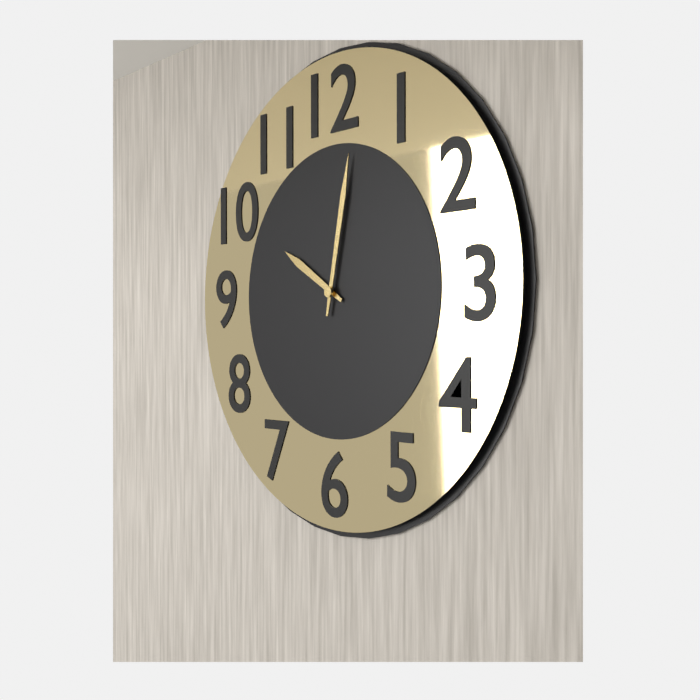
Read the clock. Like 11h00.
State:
10h02
